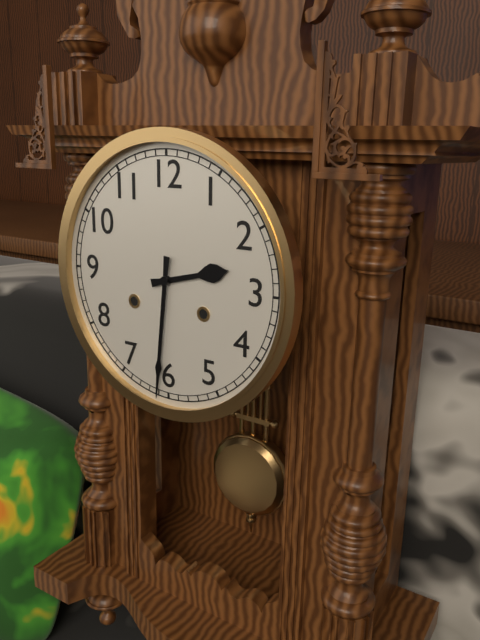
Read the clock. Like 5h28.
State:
2h31
